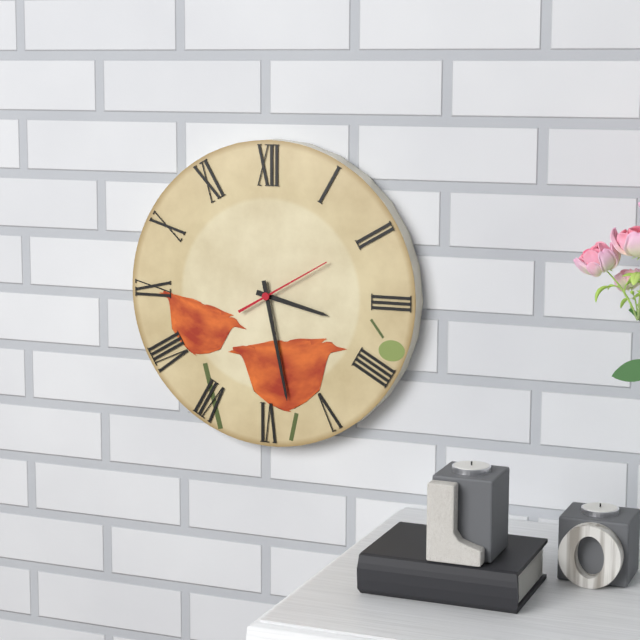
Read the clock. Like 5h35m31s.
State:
3h28m10s
